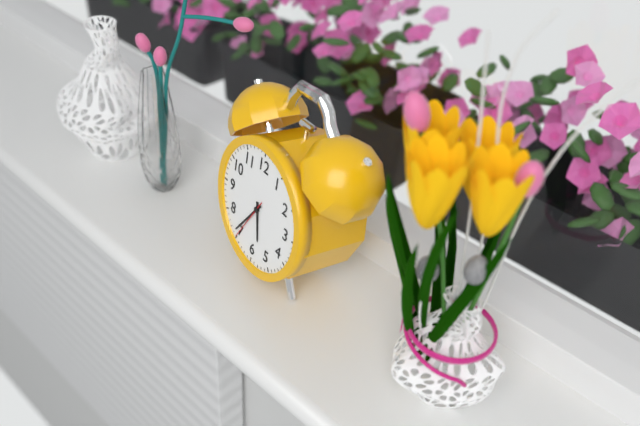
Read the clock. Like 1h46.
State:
5h36
